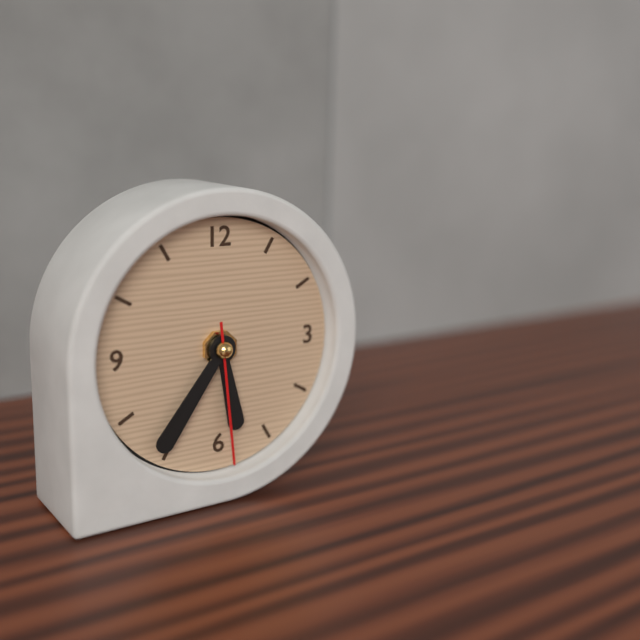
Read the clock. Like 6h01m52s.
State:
5h36m29s
